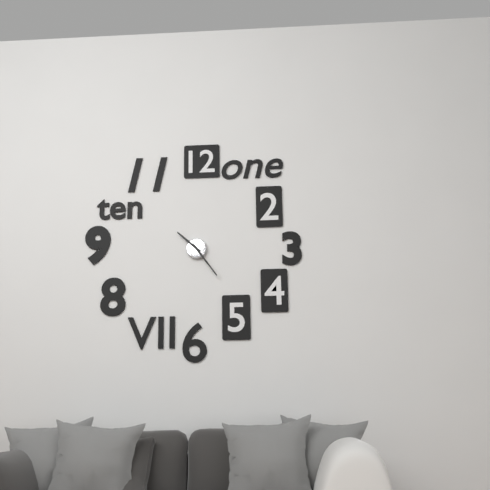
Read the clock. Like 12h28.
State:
10h24
